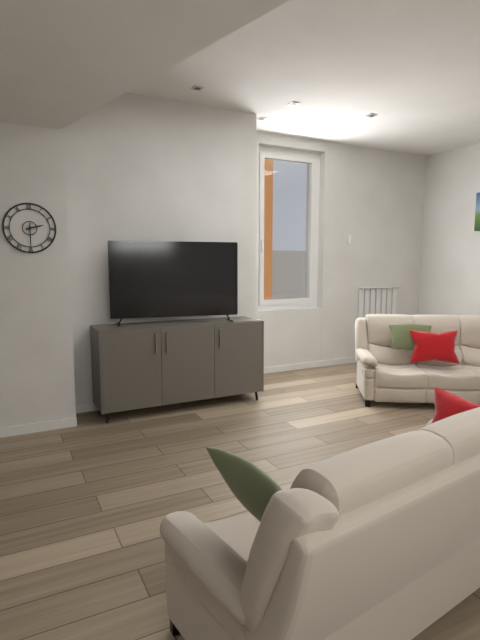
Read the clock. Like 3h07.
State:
2h30
